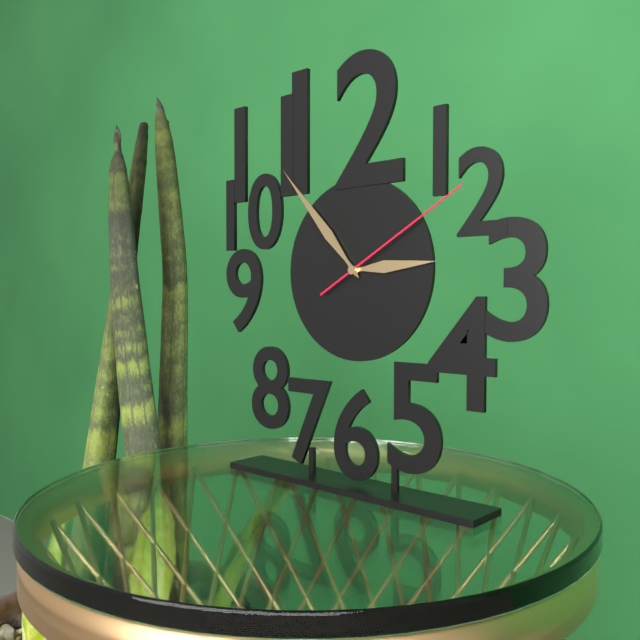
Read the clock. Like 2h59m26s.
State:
2h53m10s
